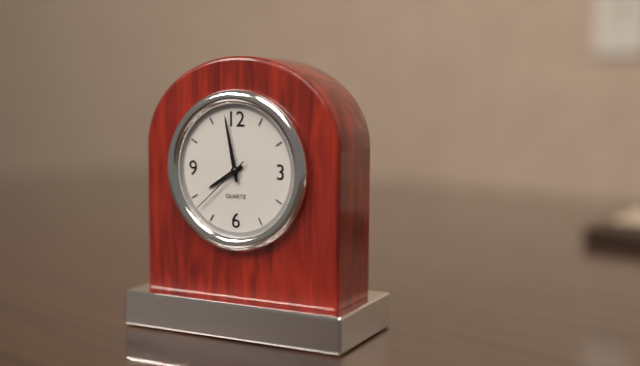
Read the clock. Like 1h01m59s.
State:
7h58m38s
